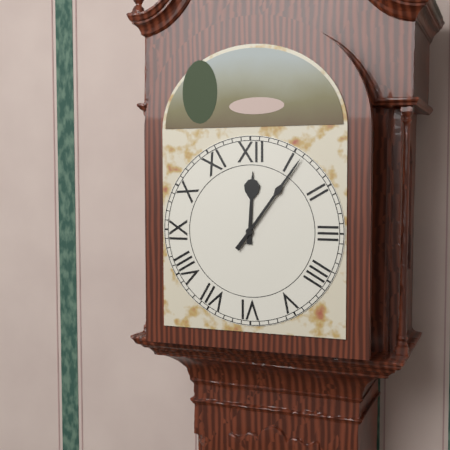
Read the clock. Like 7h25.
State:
12h06
